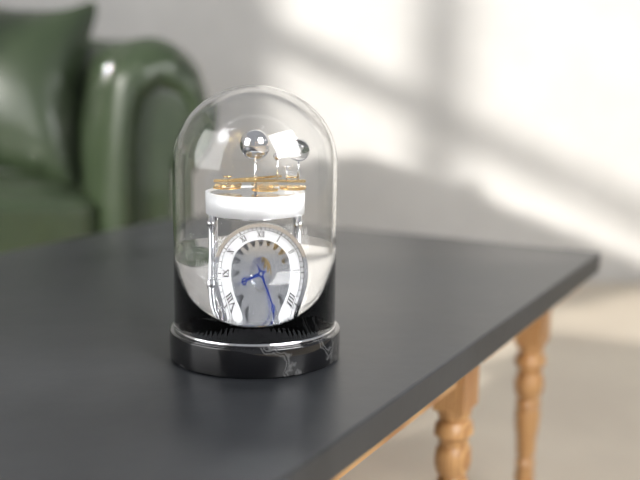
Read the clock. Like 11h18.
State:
8h25
